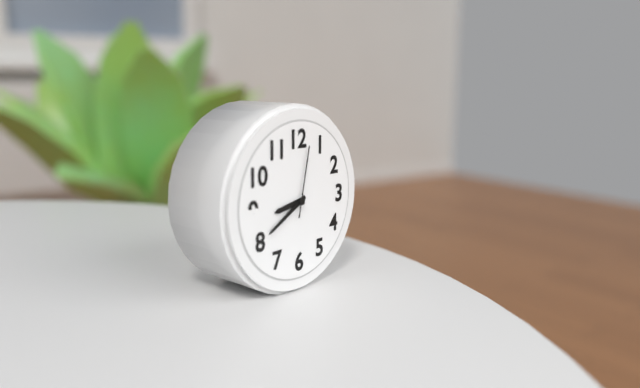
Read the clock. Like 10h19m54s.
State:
8h40m02s
